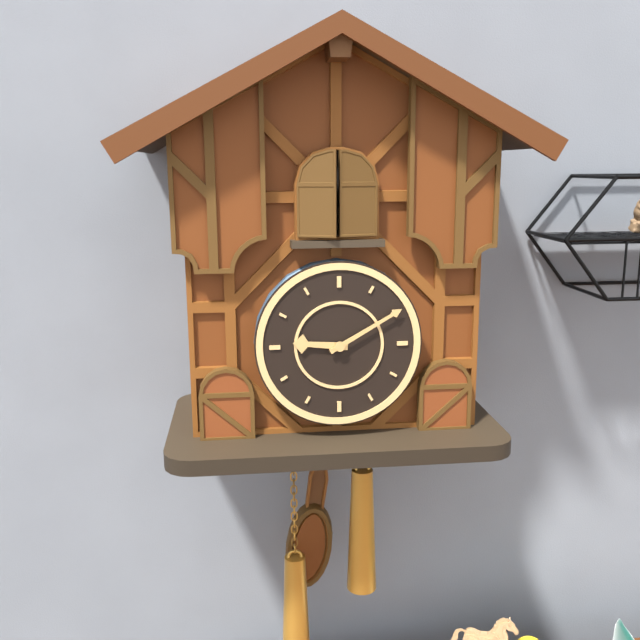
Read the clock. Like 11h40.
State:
9h10
